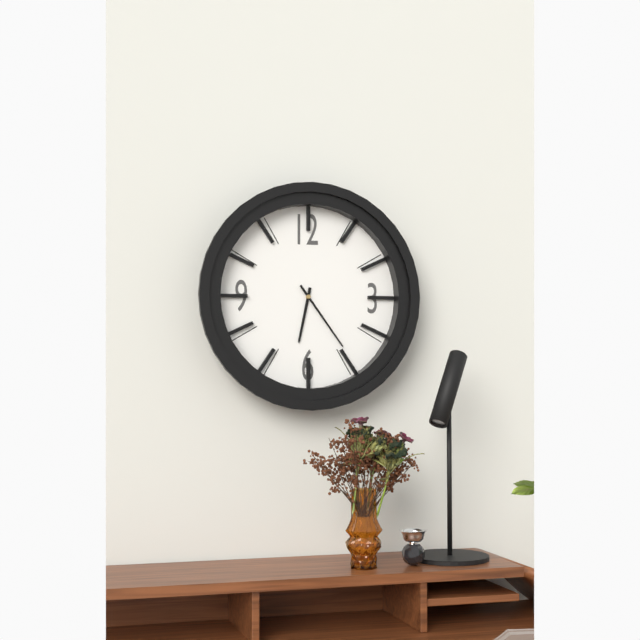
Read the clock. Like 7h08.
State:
6h24
